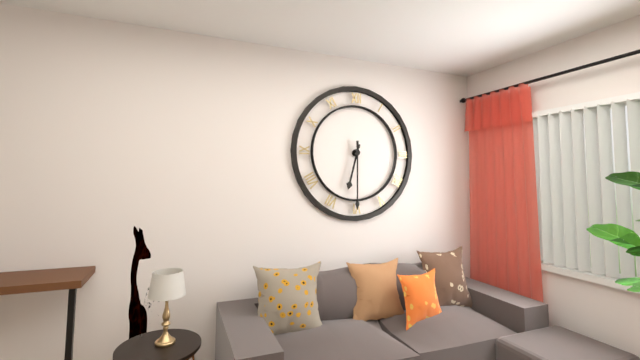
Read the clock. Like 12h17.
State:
6h30
